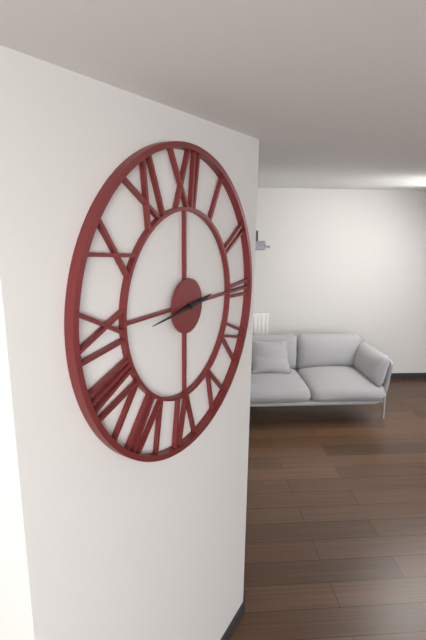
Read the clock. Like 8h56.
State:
2h44
